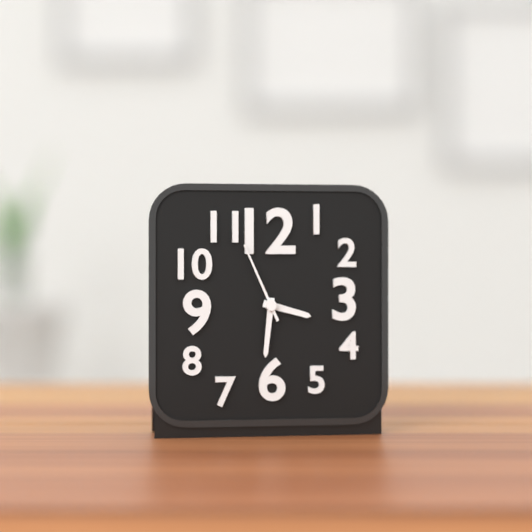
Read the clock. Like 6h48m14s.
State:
3h31m56s
